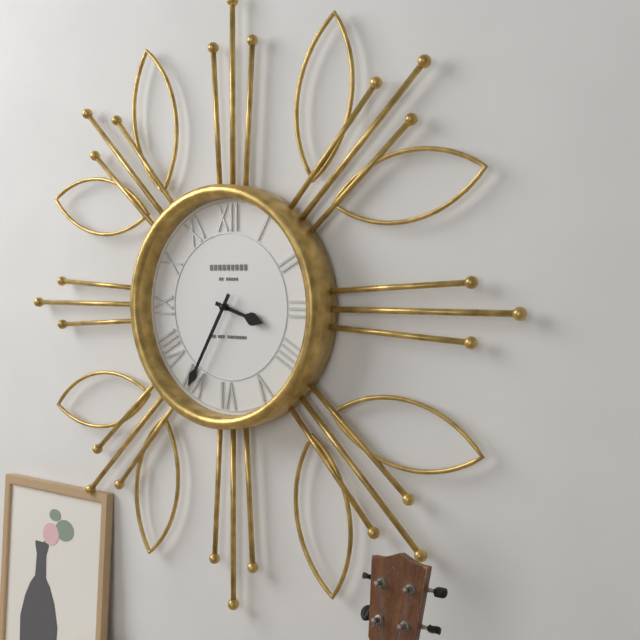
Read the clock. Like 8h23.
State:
3h35
